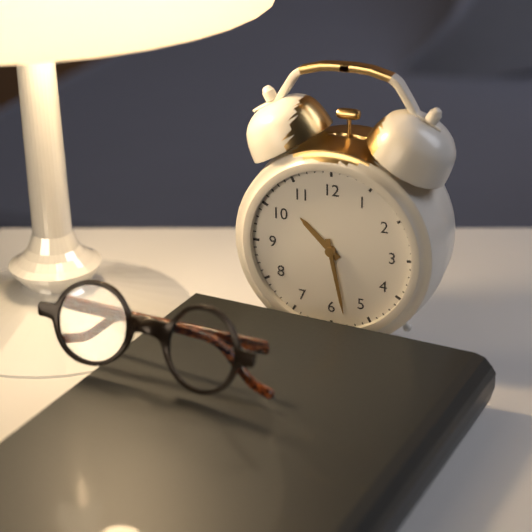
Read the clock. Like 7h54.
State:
10h28
